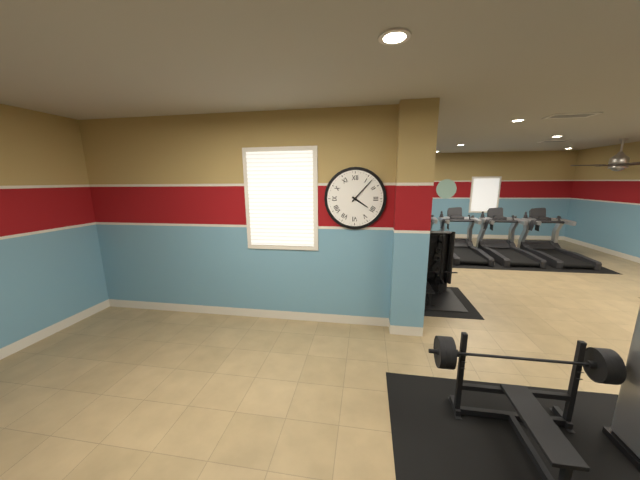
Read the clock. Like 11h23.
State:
4h07
